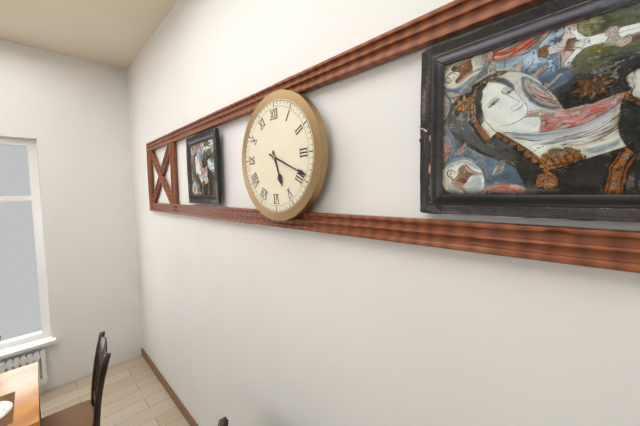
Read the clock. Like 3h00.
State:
5h19
